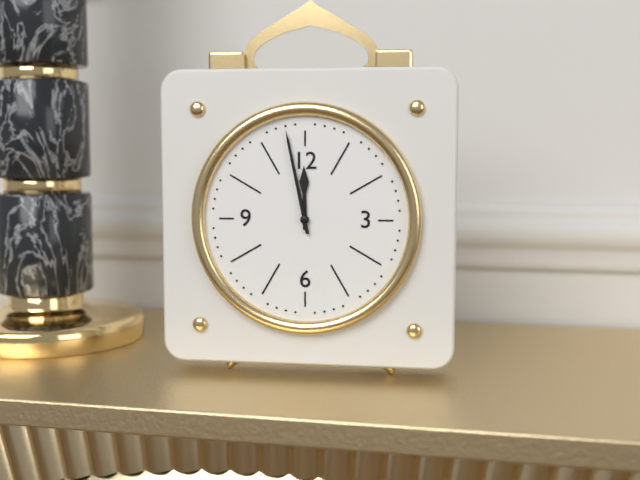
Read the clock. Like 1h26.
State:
11h58
